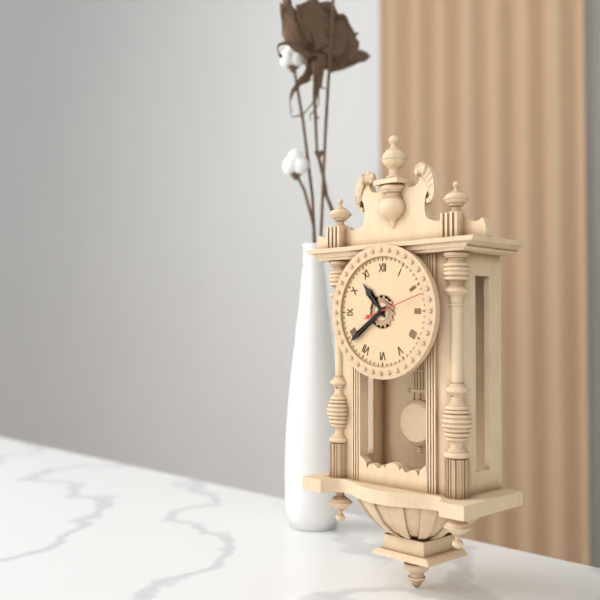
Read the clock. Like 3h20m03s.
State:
10h39m12s
